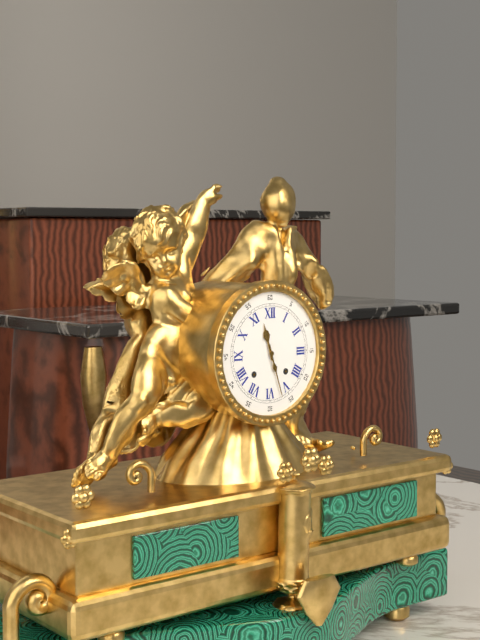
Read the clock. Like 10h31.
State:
11h27
